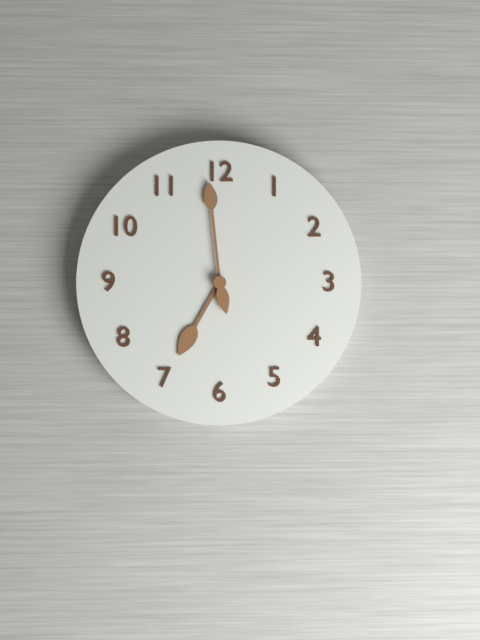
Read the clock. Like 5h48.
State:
6h59
